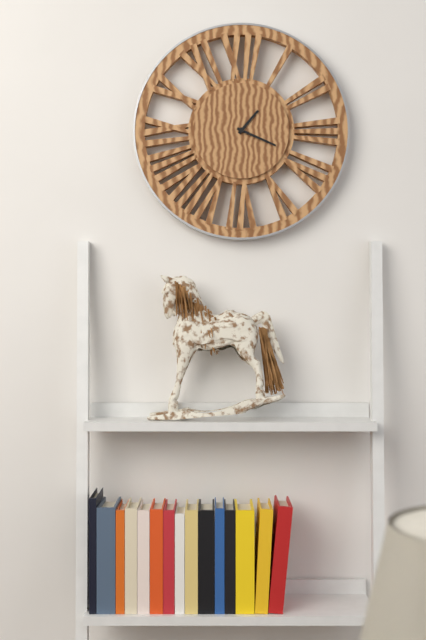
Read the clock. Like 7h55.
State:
1h19
